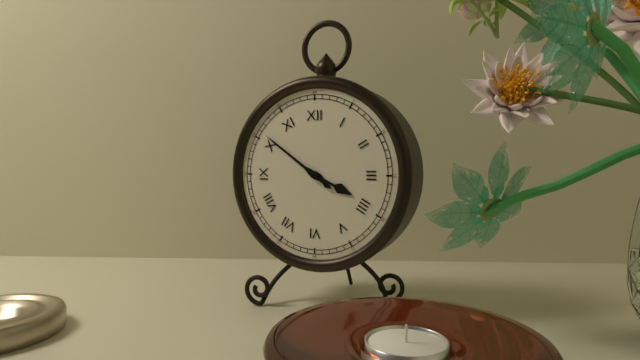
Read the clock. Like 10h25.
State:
3h51
